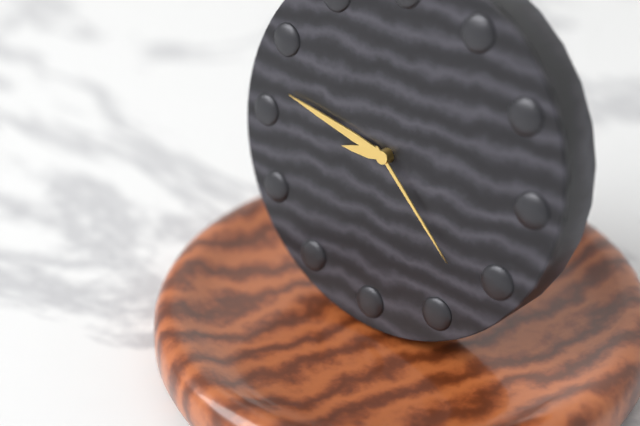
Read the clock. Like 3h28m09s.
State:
8h47m22s
